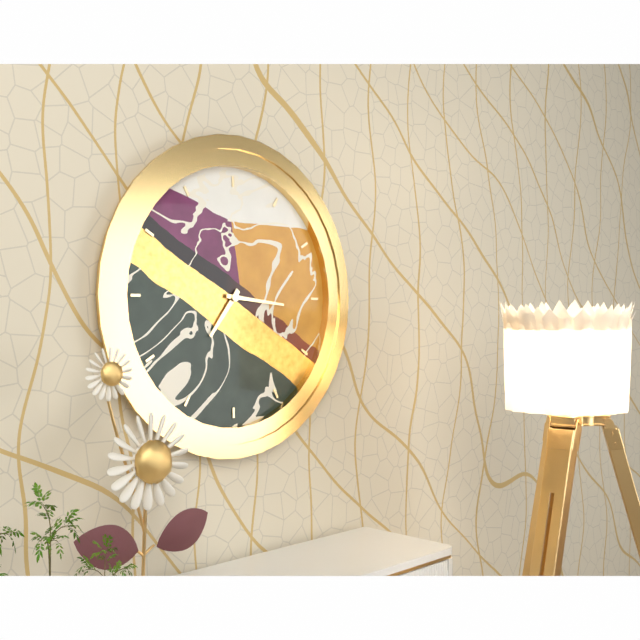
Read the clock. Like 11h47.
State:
7h16
